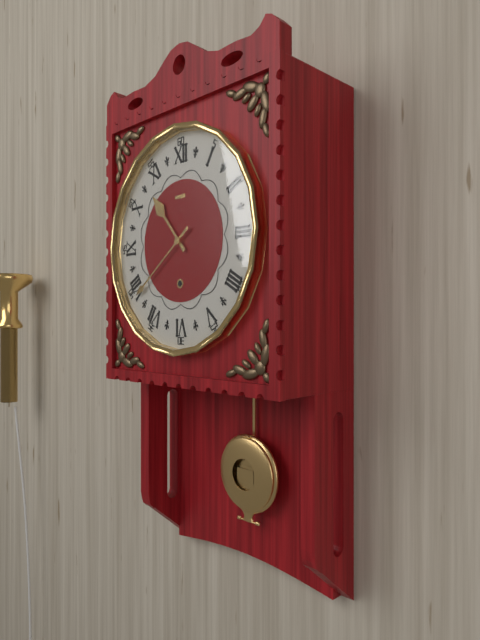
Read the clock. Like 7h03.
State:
10h39
